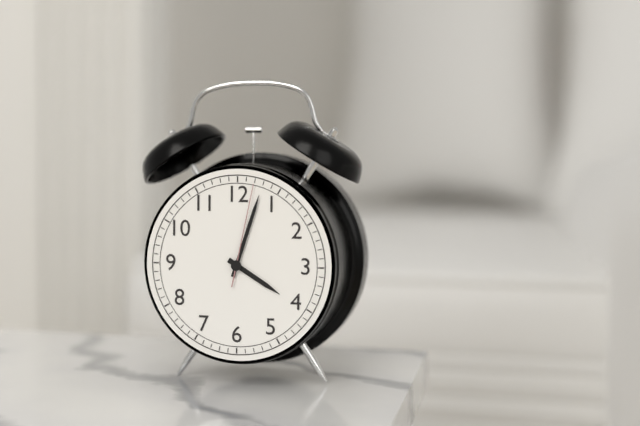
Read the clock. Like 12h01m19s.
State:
4h03m02s
